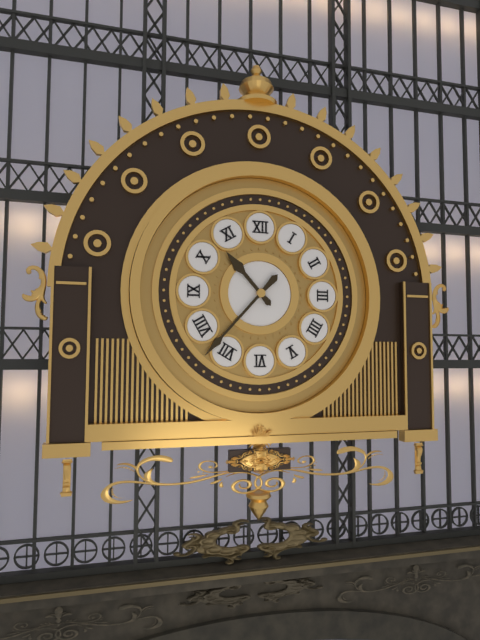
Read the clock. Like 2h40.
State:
10h37
